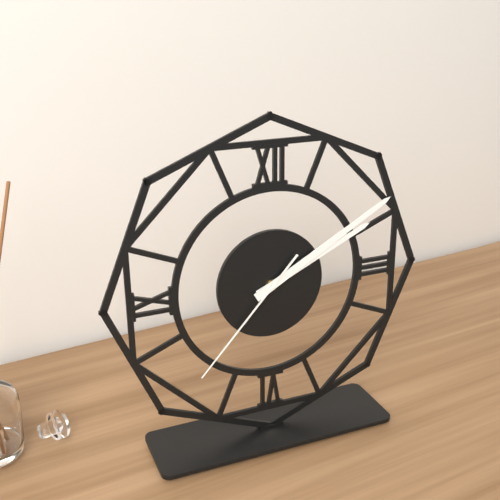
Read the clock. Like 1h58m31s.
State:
2h10m37s
